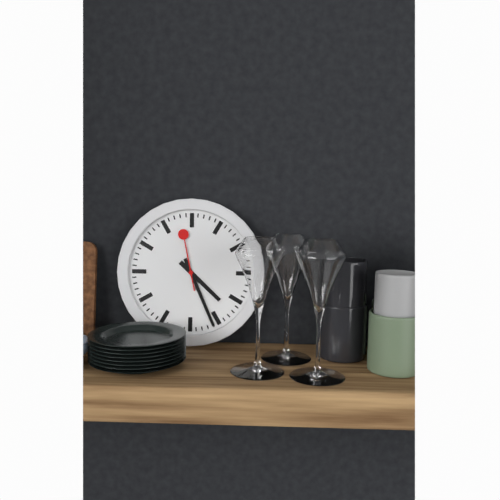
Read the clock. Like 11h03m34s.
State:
4h26m58s
